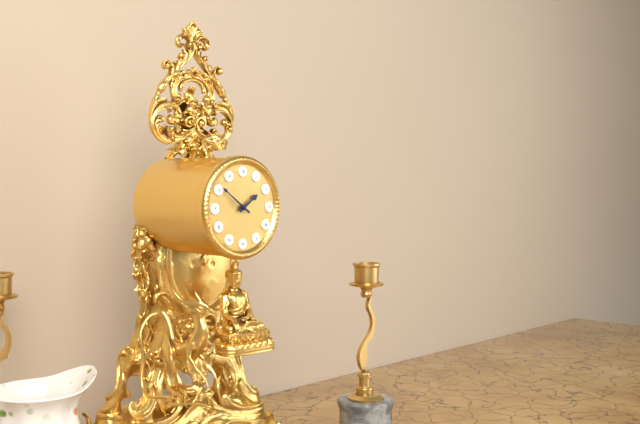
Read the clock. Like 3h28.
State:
1h51
